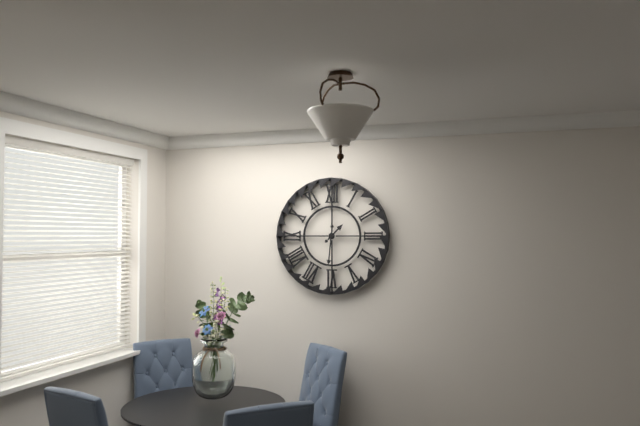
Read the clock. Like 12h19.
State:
1h31
